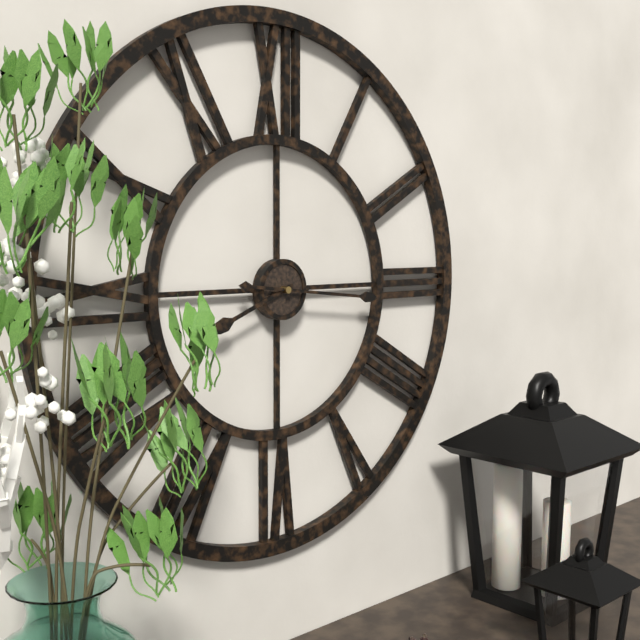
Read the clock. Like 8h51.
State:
8h16
